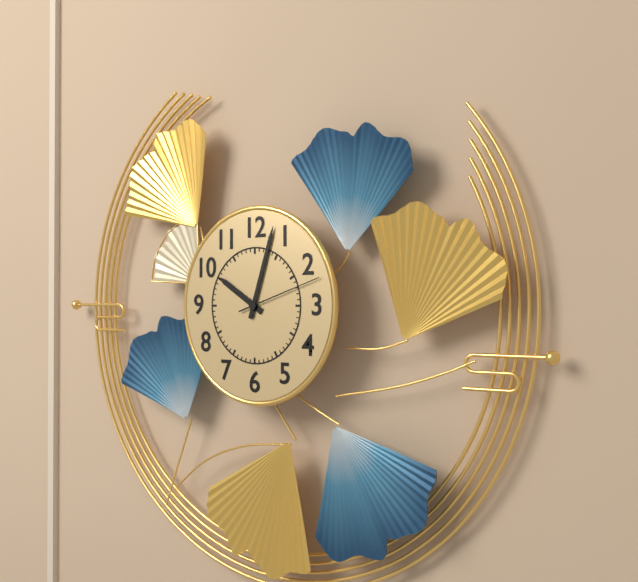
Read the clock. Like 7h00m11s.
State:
10h03m12s
